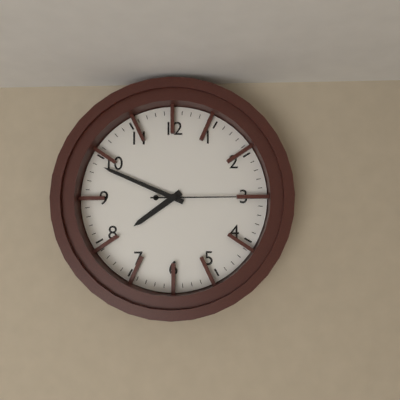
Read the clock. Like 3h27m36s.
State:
7h49m15s
